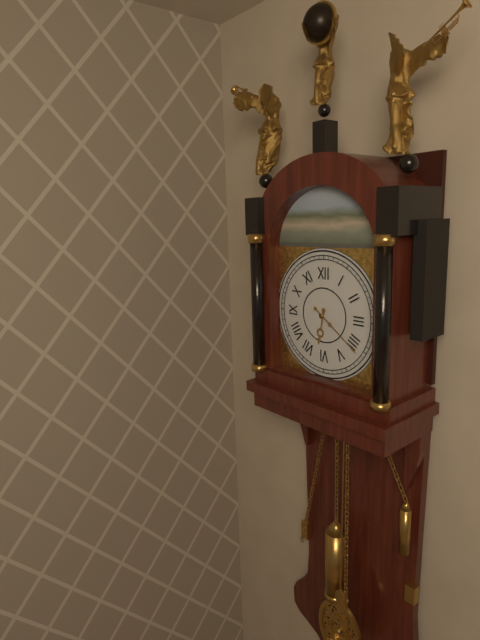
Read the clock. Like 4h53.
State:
6h21
